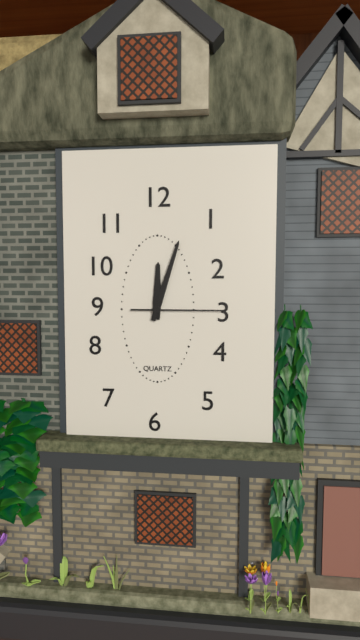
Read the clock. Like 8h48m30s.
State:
12h03m15s
